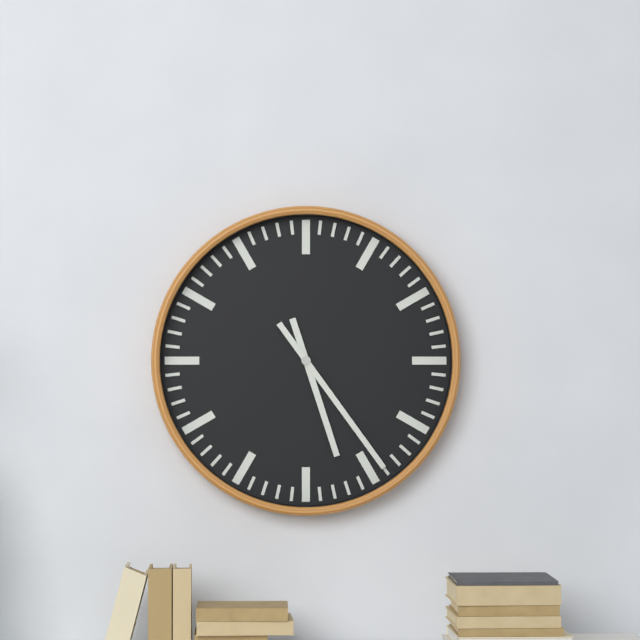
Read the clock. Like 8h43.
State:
5h24
